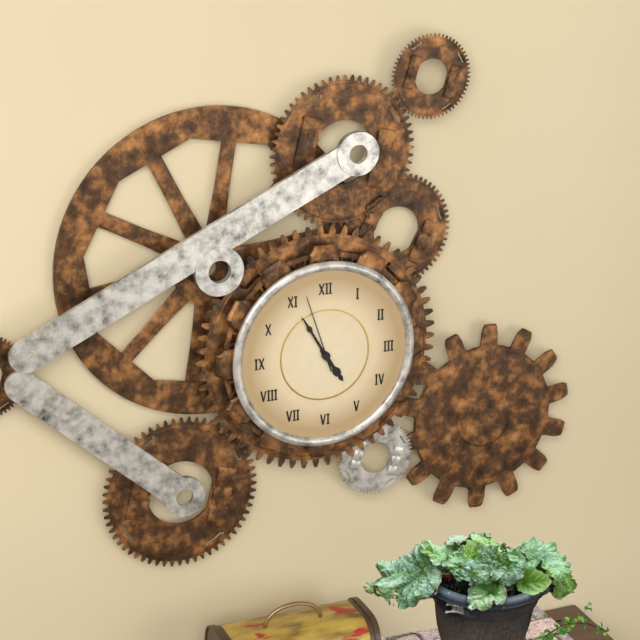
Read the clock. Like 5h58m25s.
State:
4h55m57s
